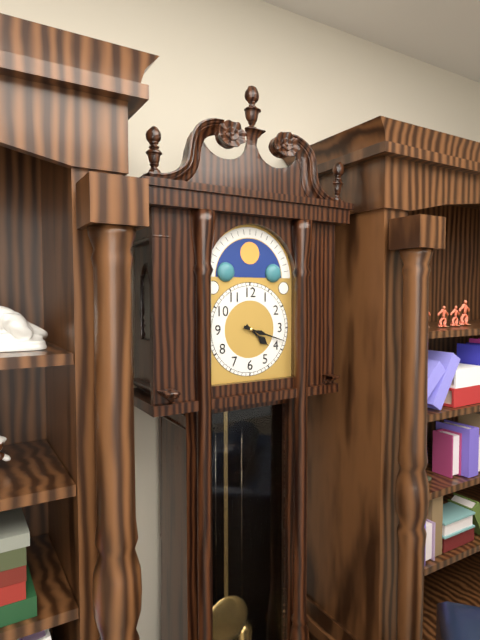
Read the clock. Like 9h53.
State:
4h18
